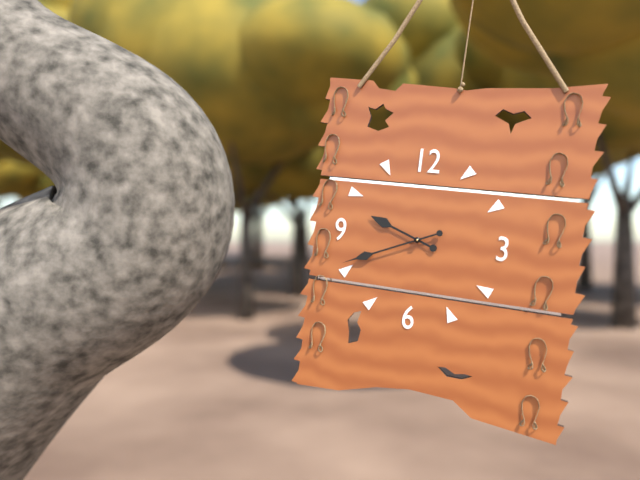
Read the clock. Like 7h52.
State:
9h41
